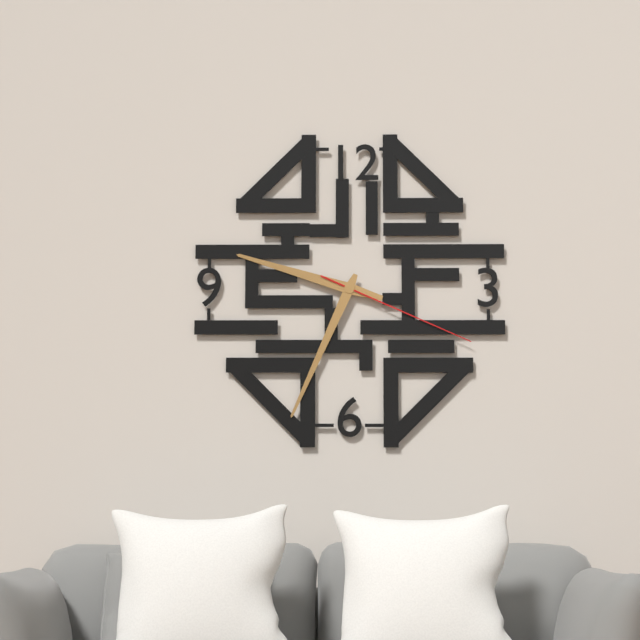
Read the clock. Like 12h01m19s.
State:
9h34m19s
